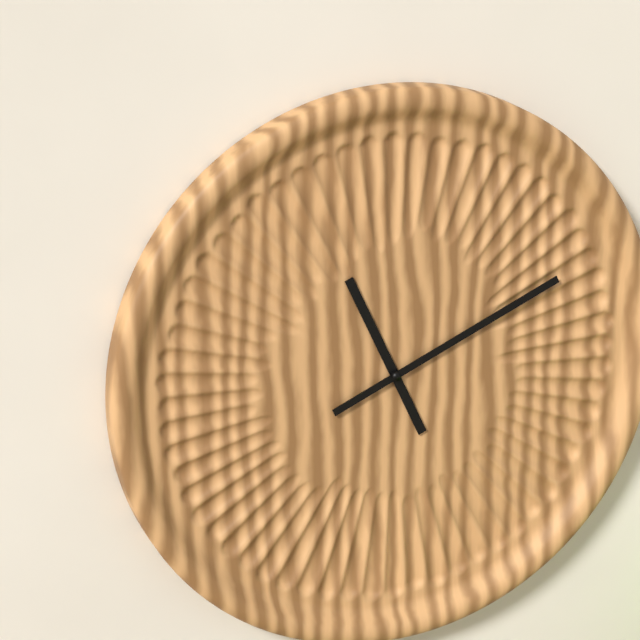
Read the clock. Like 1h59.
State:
11h11
